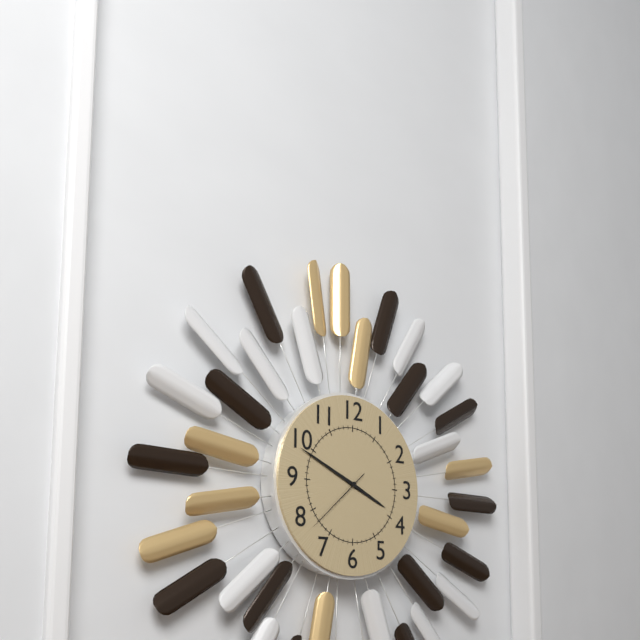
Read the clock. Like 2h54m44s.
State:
3h49m38s
